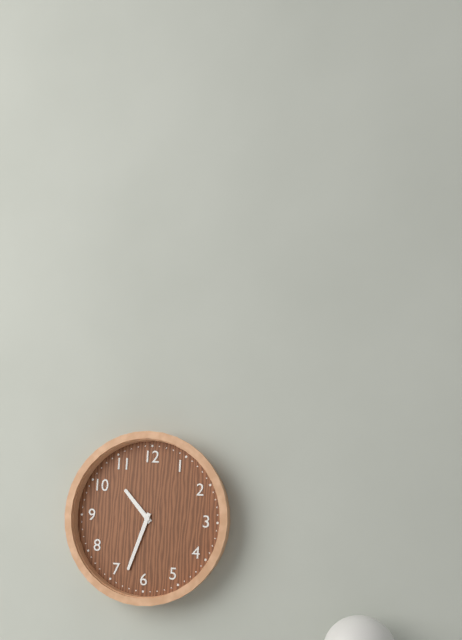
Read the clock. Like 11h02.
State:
10h33
